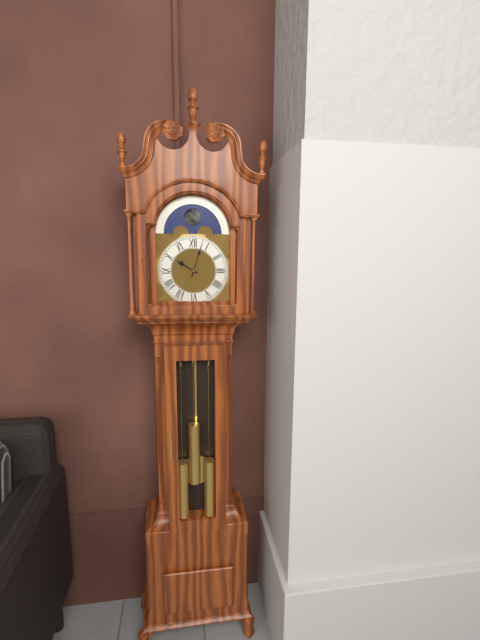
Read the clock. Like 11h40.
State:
10h03
